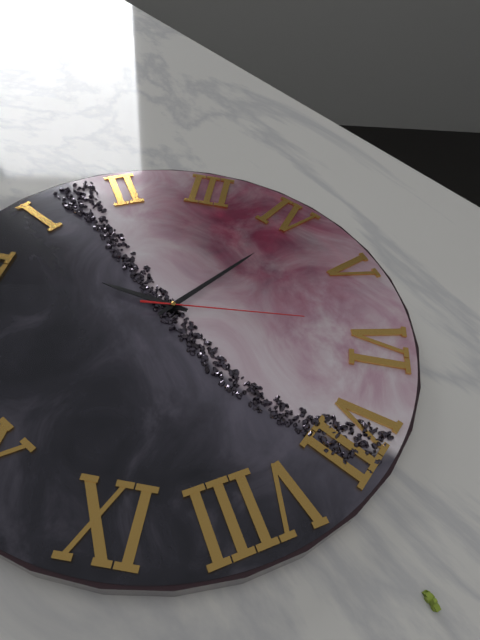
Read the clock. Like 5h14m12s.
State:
12h21m29s
